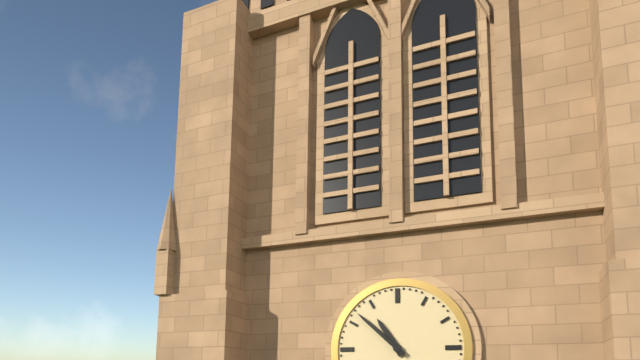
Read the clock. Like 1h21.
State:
10h52
